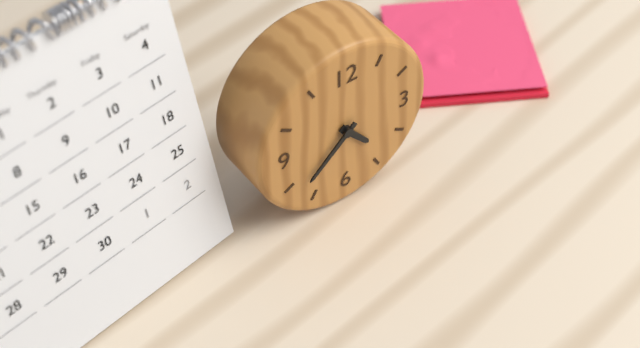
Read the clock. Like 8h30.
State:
4h38
